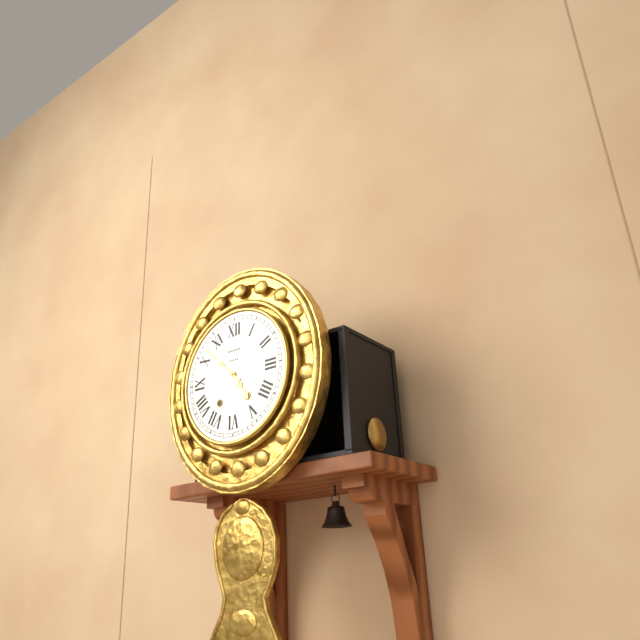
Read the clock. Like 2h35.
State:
4h52
